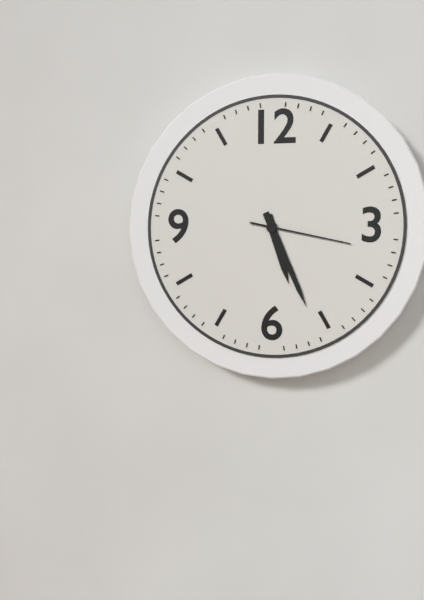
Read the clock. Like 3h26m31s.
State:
5h26m17s
